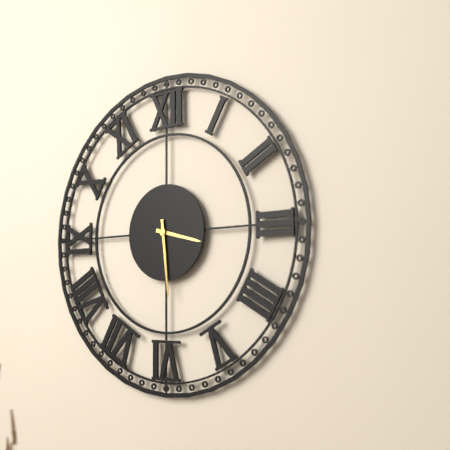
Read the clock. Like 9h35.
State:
3h29
